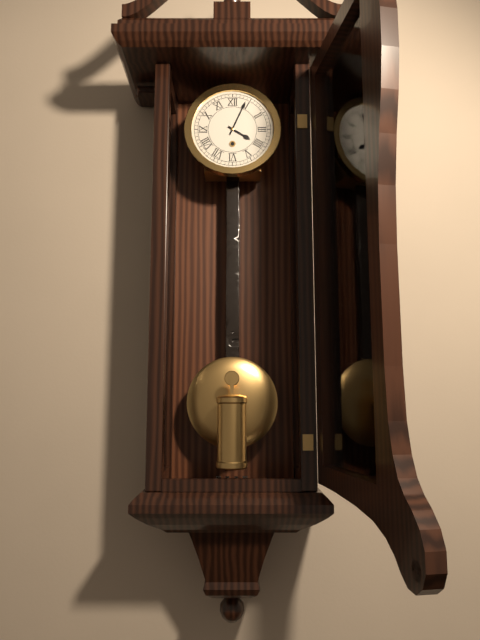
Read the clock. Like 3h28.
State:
4h04
